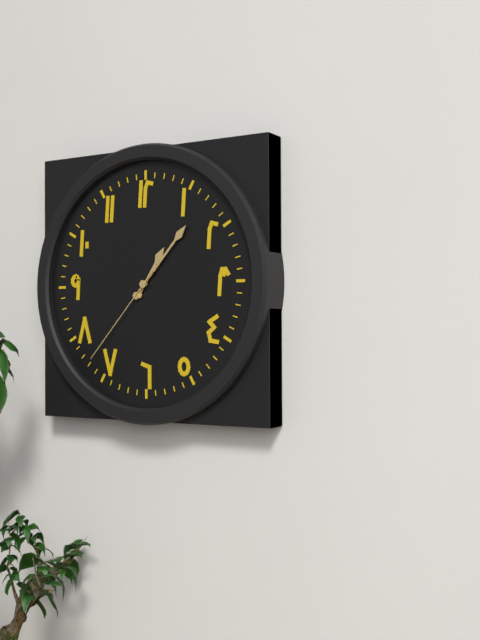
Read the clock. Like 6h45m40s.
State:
1h07m37s
